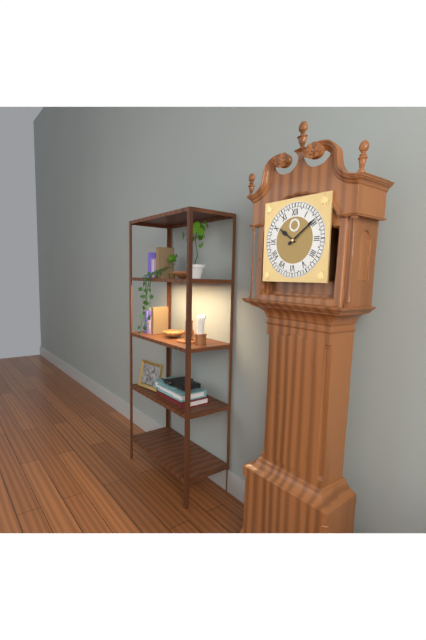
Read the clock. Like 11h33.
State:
10h09
